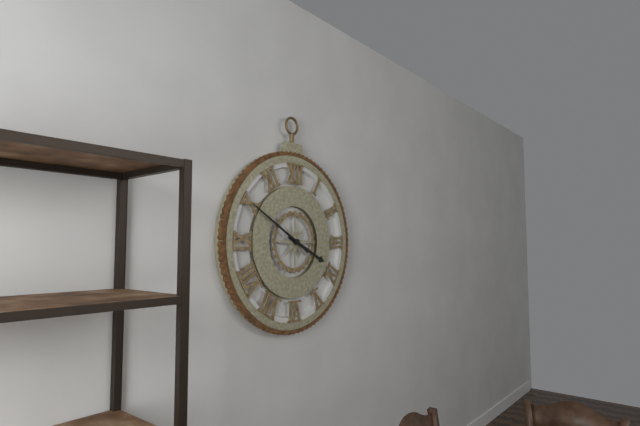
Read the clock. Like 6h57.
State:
3h50
